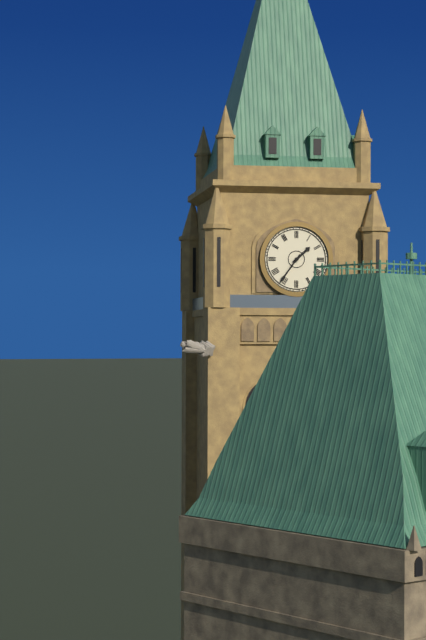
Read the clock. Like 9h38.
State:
1h36
